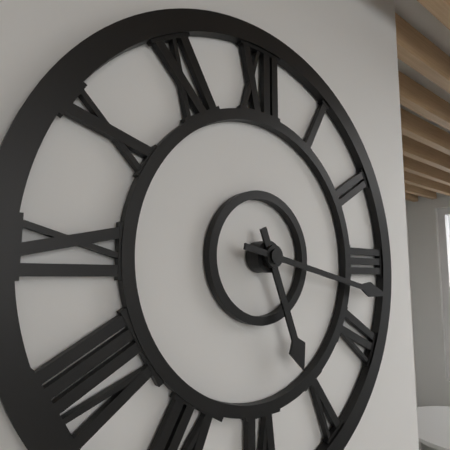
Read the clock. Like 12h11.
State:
5h17
